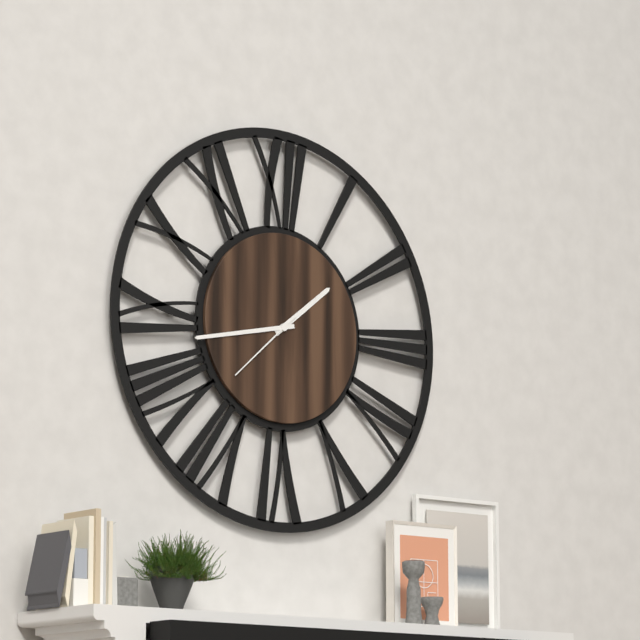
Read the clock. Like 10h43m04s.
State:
1h43m38s
